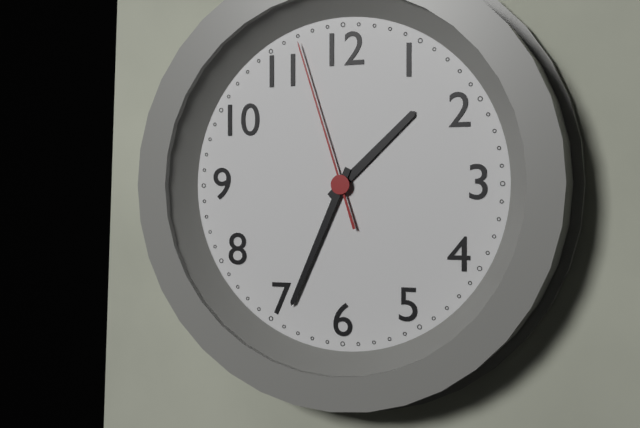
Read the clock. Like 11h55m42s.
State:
1h34m57s
